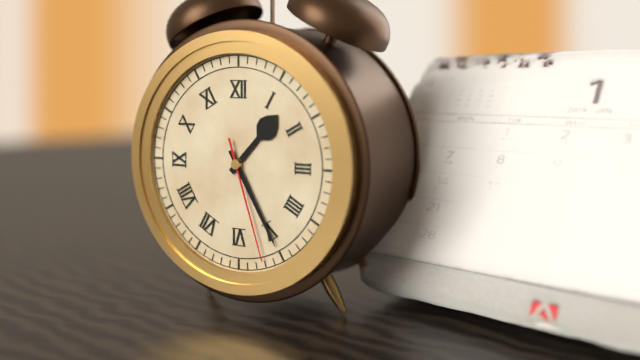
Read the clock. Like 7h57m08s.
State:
1h25m27s
